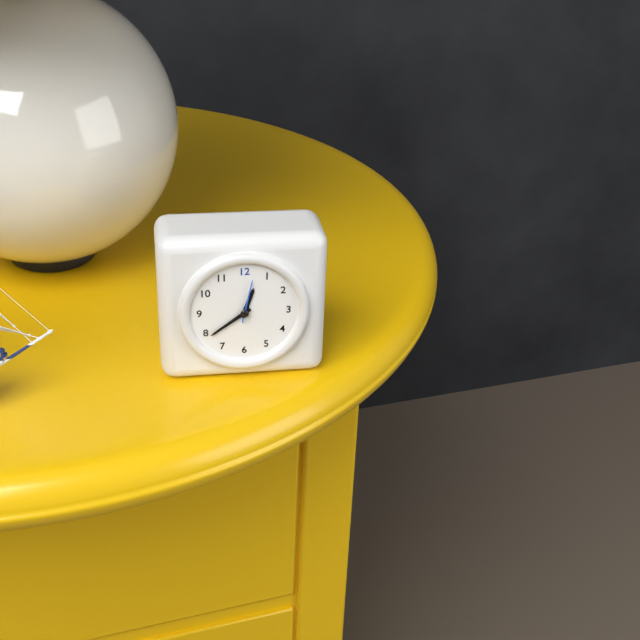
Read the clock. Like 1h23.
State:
12h39
